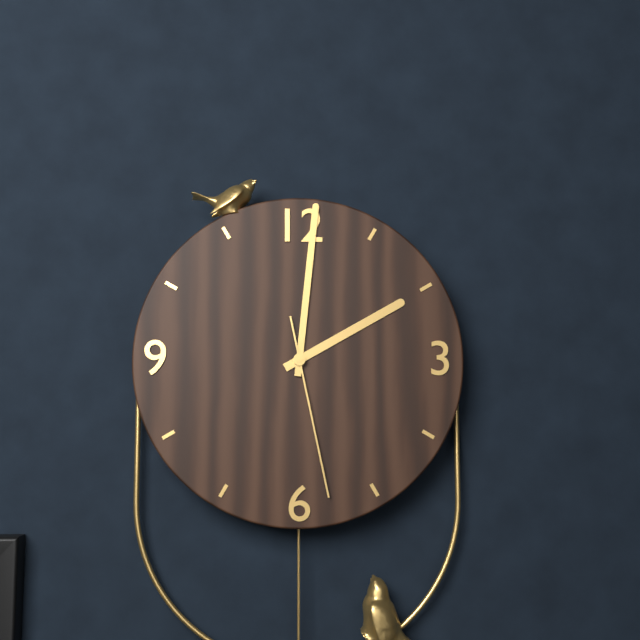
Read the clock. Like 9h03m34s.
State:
2h01m28s
